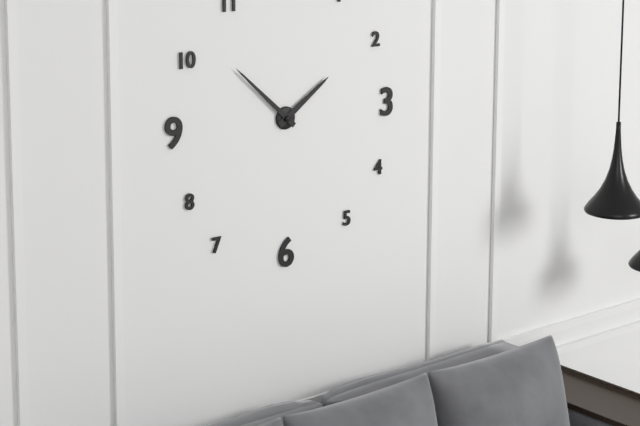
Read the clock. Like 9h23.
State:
1h52
